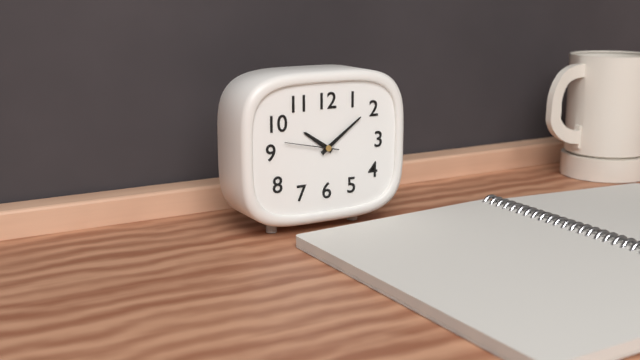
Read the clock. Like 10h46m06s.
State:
10h09m47s
